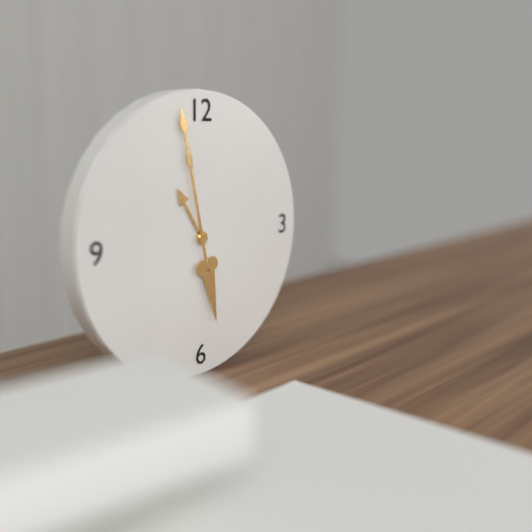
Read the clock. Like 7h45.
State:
10h58
